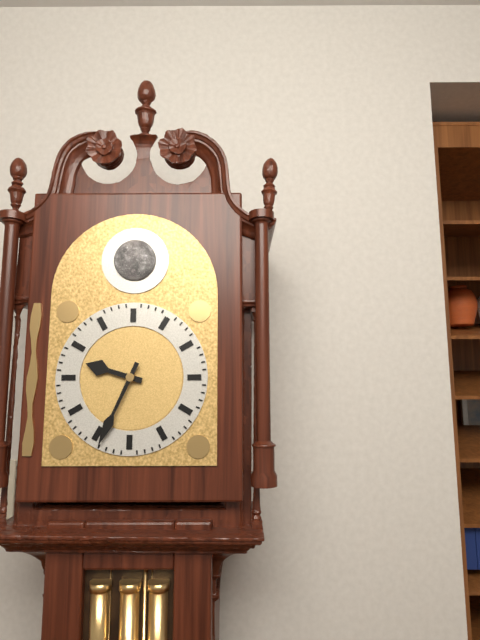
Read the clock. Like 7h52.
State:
9h34
